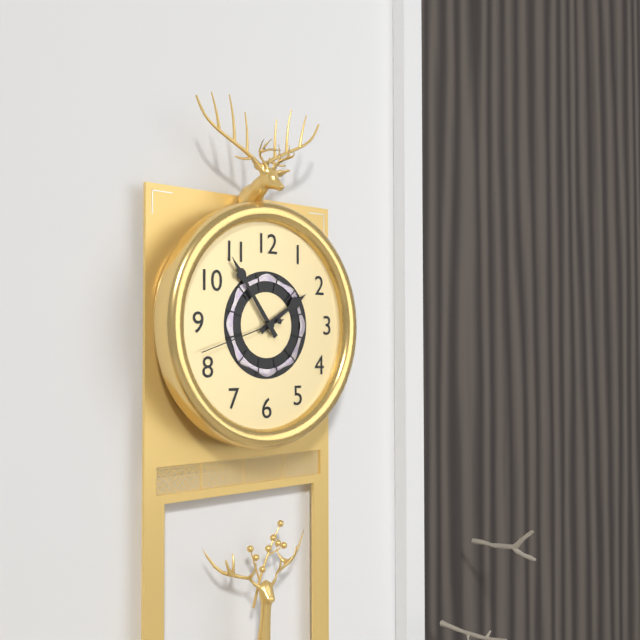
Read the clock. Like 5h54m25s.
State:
1h54m42s
